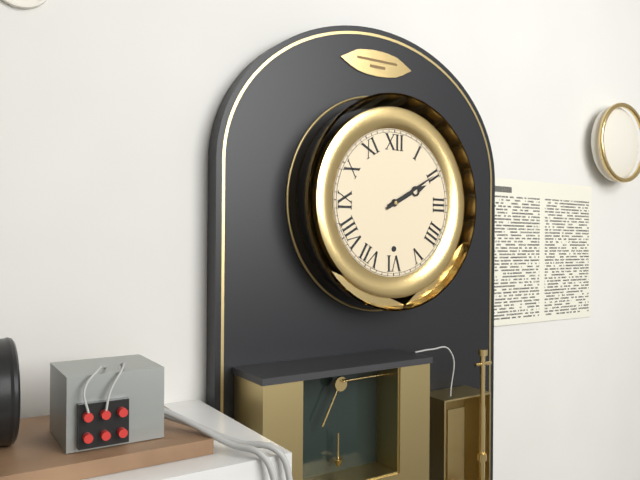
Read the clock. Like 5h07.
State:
2h10
